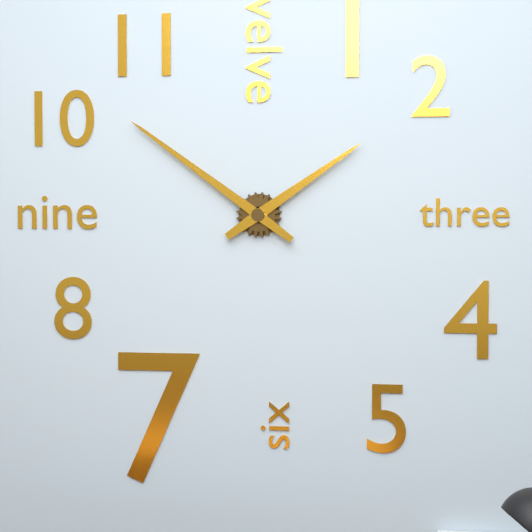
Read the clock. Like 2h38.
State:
1h51
